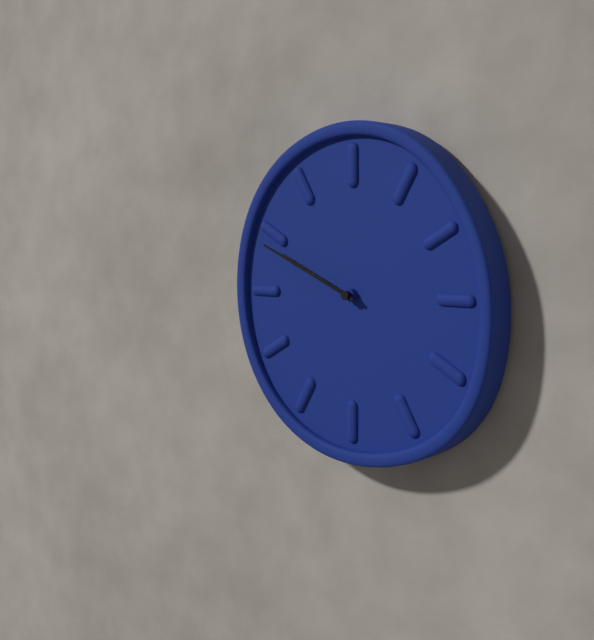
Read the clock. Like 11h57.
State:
9h49
